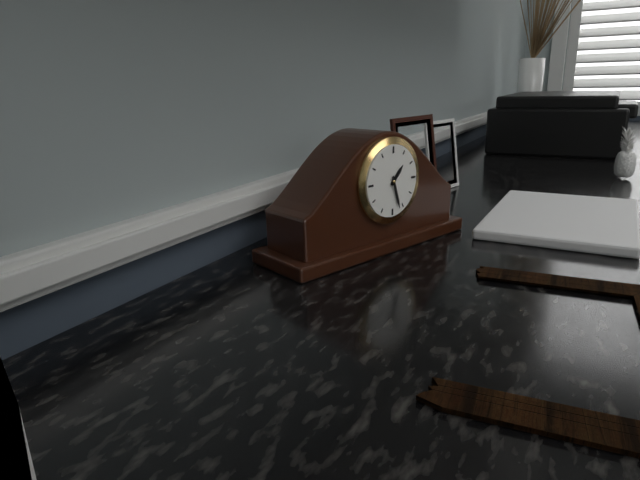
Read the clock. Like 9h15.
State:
1h27
